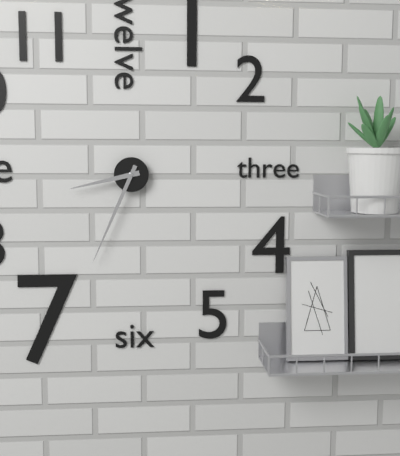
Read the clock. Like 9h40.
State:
8h34
